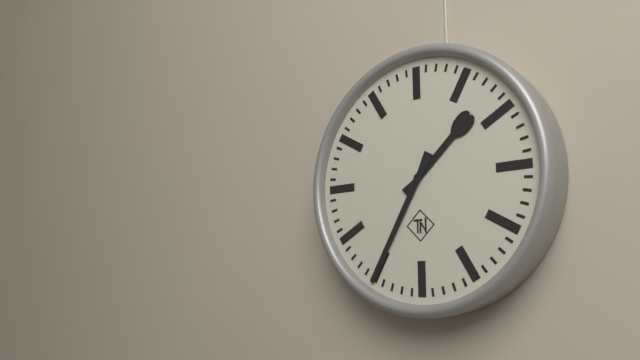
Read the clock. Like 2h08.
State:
1h35
